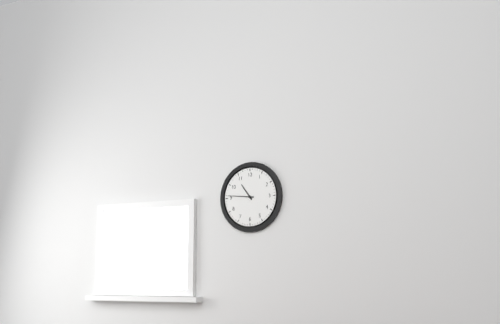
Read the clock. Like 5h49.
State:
10h46
